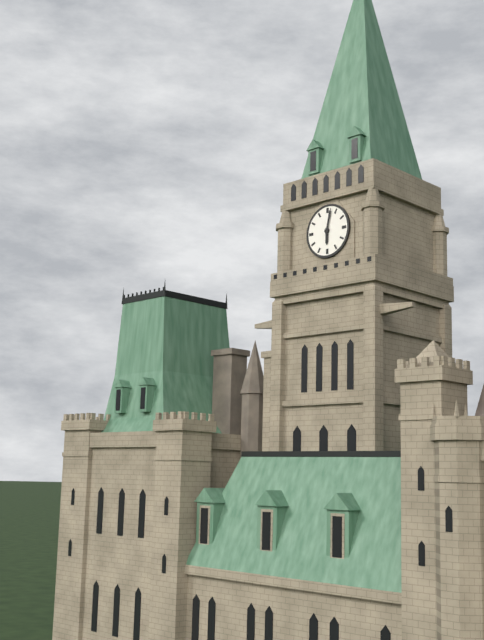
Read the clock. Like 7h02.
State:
6h02
